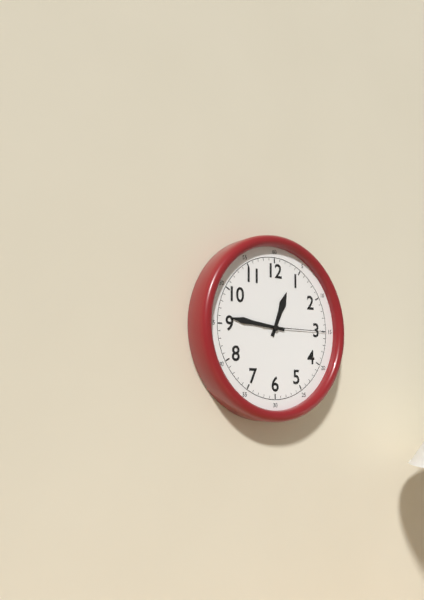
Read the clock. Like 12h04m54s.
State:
12h46m15s
